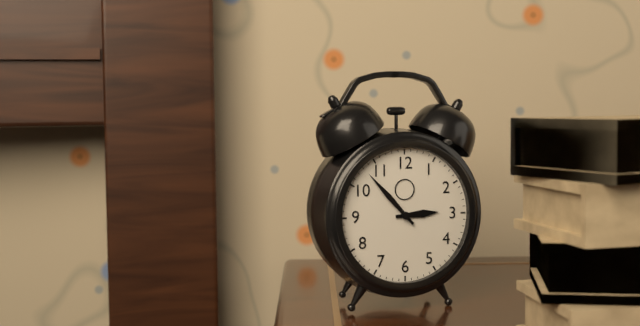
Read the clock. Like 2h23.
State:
2h53
